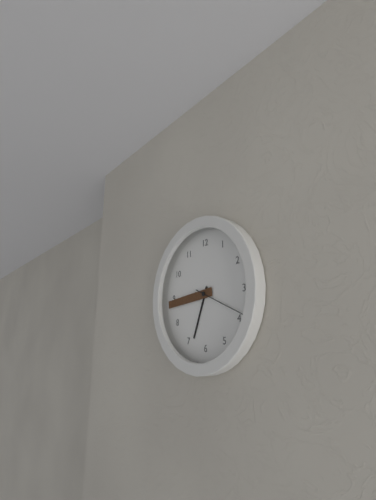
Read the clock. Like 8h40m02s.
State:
6h44m19s
